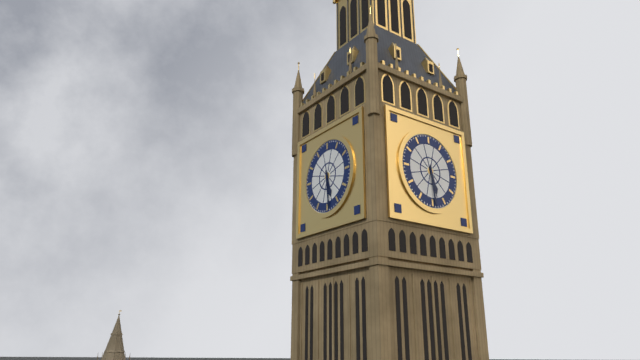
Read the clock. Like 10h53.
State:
5h29
